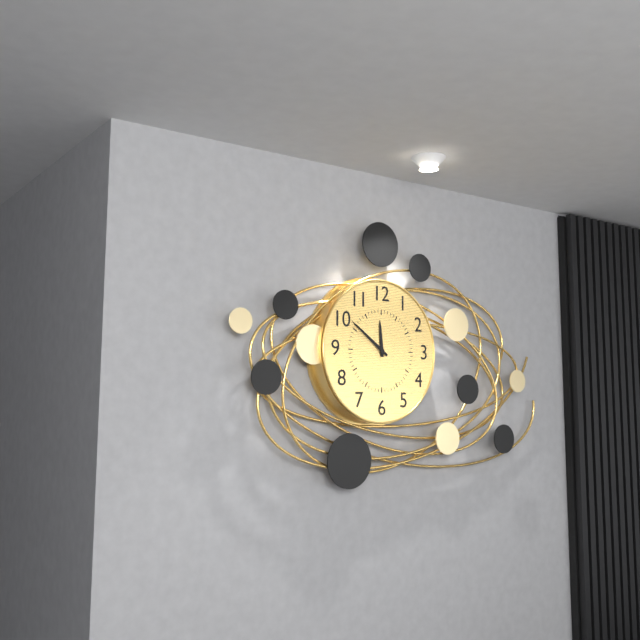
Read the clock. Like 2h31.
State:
11h51
